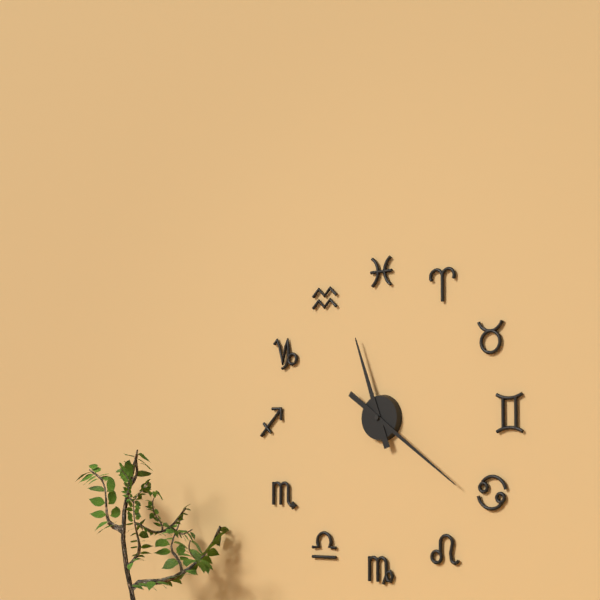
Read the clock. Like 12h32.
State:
11h21
